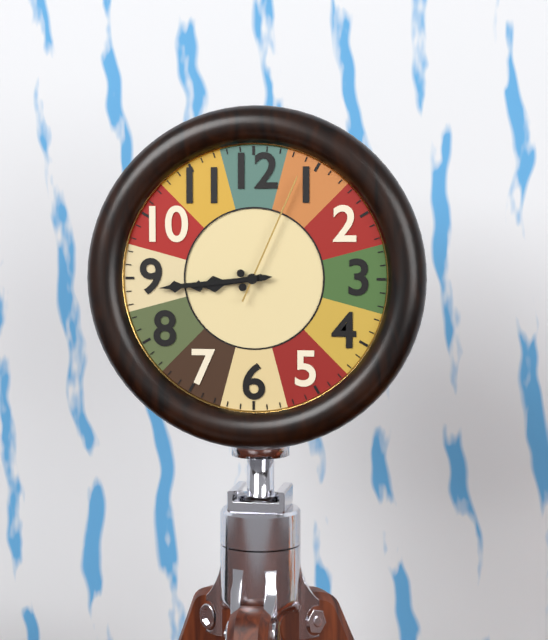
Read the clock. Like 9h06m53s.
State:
8h44m04s
